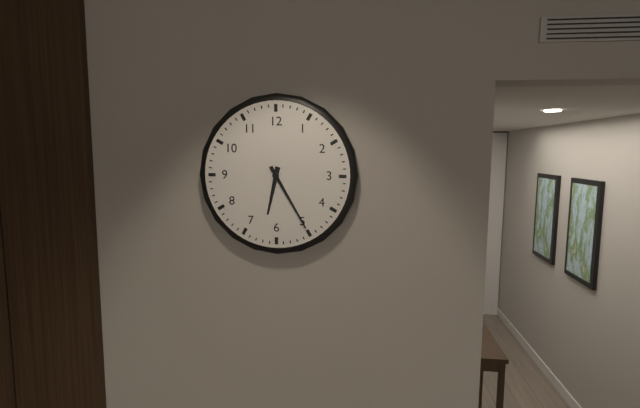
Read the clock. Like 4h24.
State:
6h25
